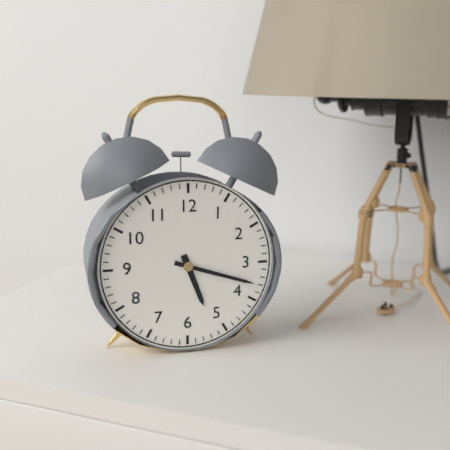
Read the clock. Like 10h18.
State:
5h18
